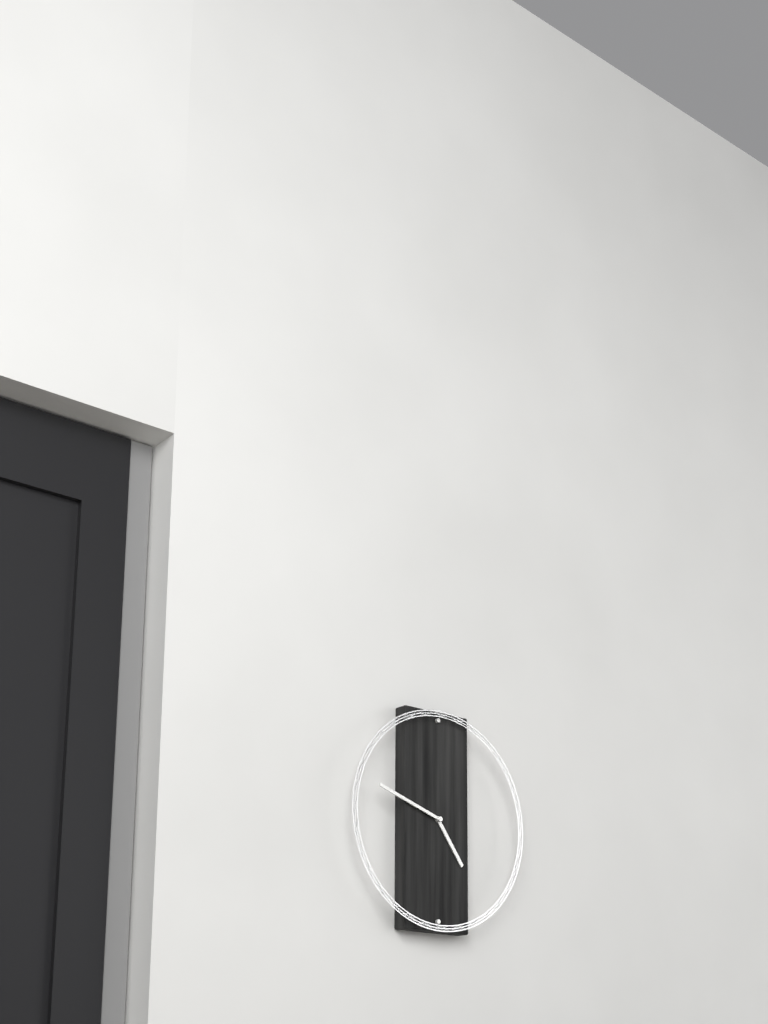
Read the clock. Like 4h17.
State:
4h48
